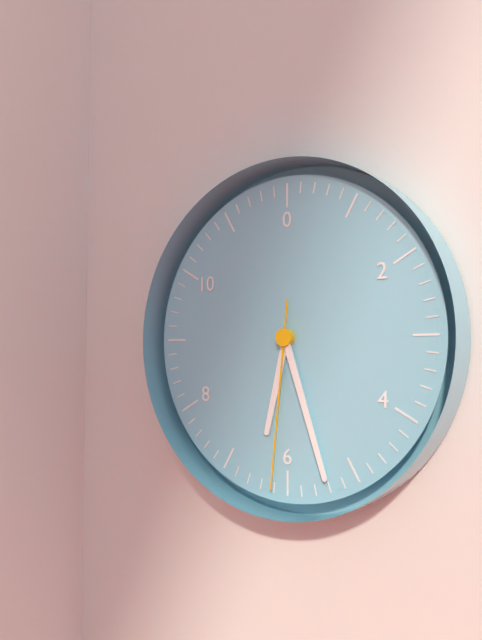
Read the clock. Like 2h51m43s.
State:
6h27m31s
